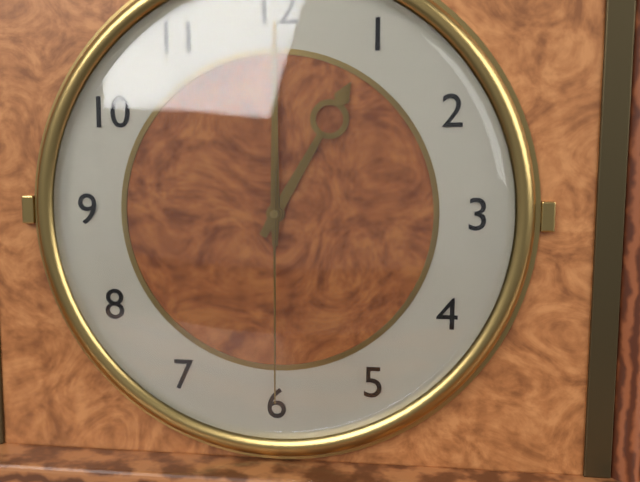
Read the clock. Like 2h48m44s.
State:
1h00m30s
